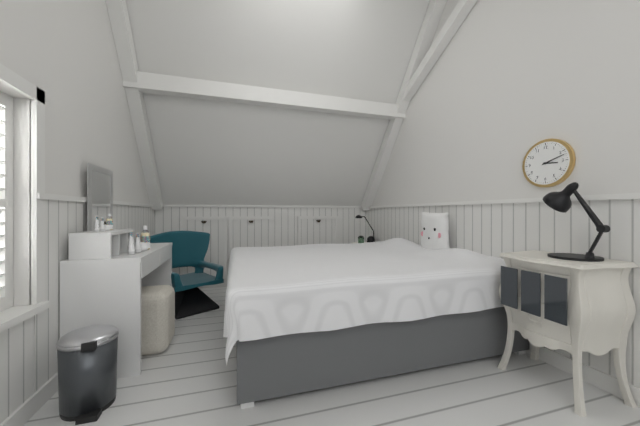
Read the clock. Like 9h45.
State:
3h12
